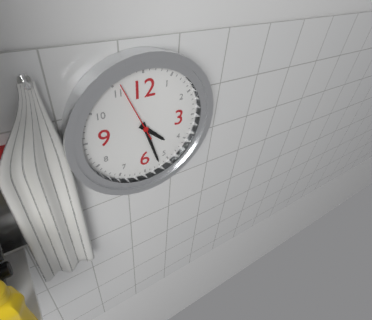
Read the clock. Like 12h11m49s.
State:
4h27m56s
